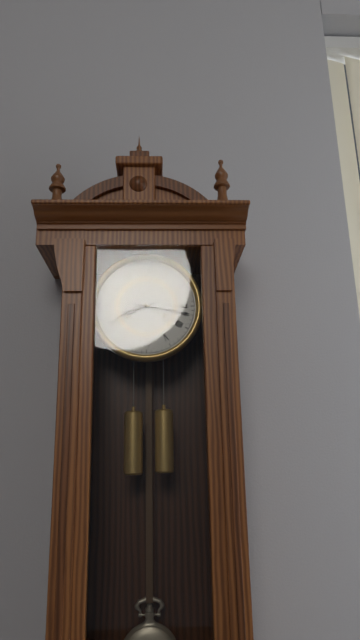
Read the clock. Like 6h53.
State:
8h17
